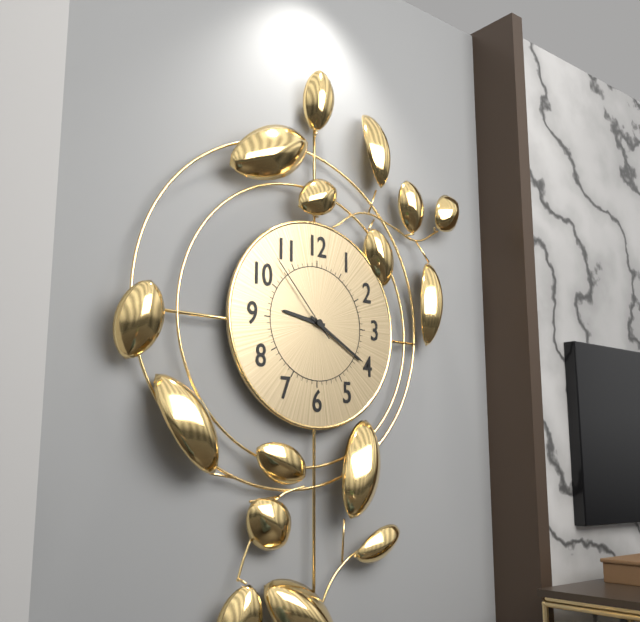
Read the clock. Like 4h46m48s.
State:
9h20m53s
